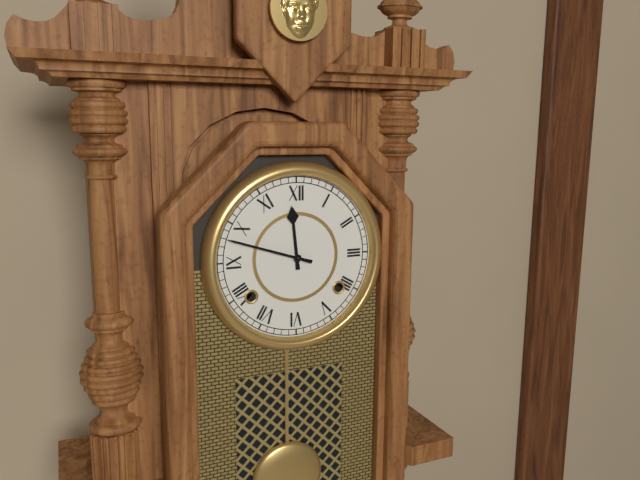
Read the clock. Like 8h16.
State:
11h48
